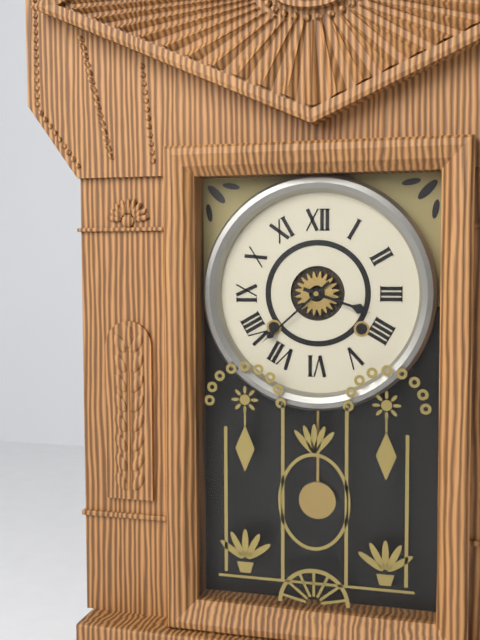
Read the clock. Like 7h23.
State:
3h38
